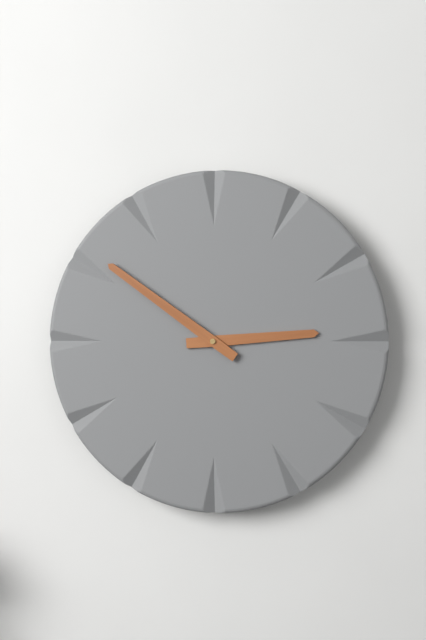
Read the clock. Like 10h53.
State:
2h51
